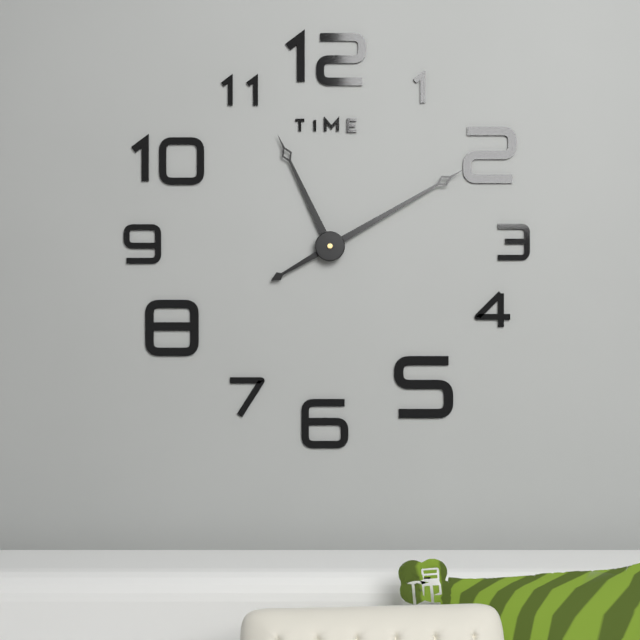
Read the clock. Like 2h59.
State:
11h10
